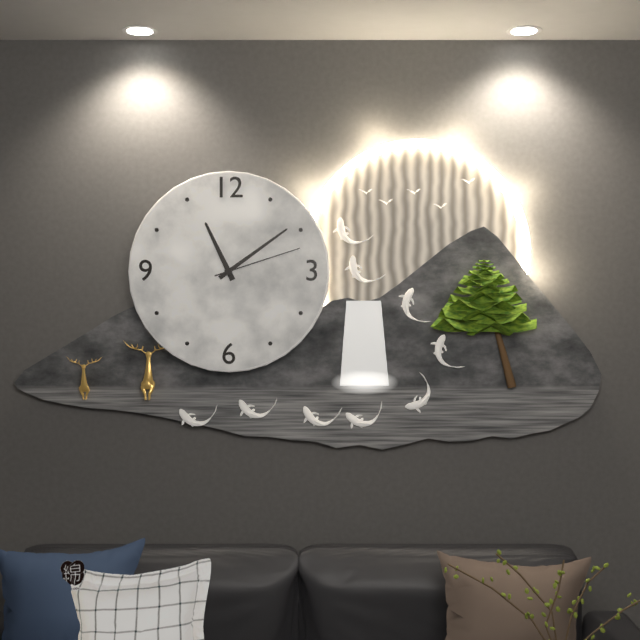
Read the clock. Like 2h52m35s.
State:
11h09m12s
